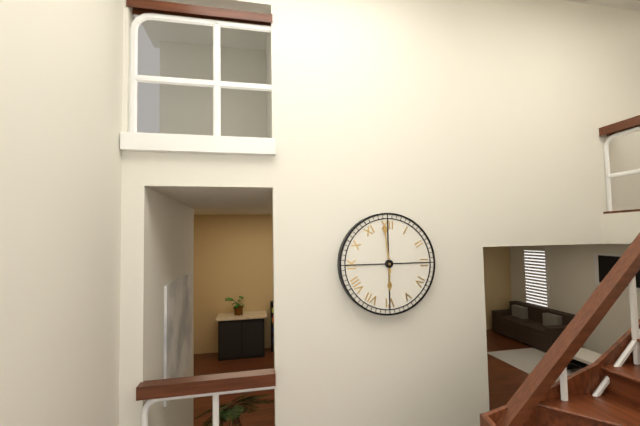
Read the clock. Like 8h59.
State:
5h59
